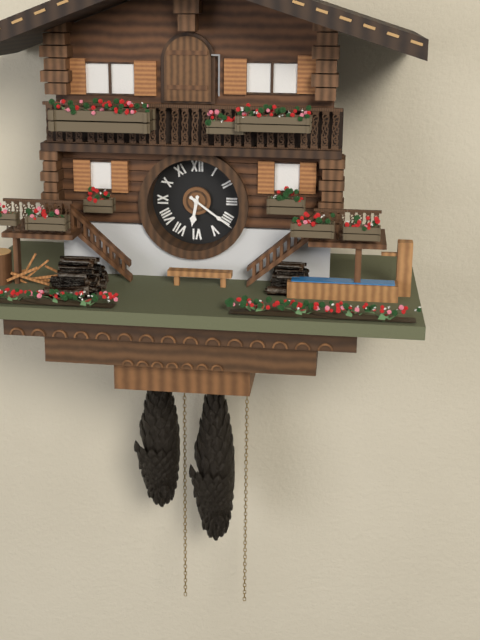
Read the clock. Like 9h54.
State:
6h21
